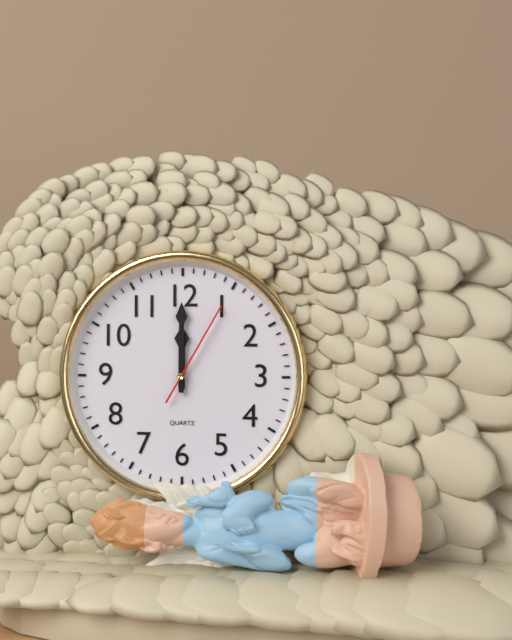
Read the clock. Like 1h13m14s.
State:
12h00m05s
